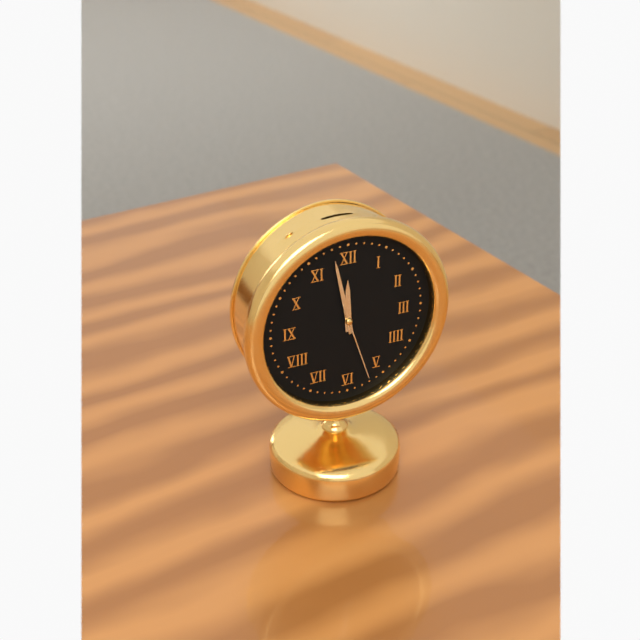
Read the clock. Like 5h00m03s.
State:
11h58m27s
